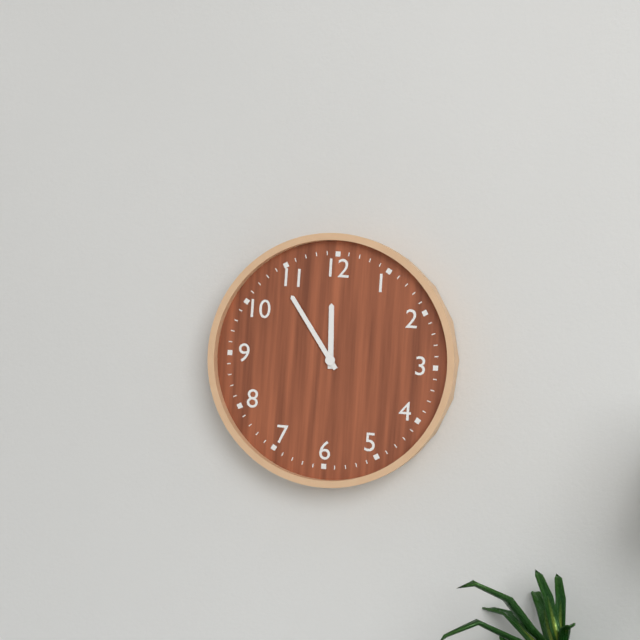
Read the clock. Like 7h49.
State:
11h54
